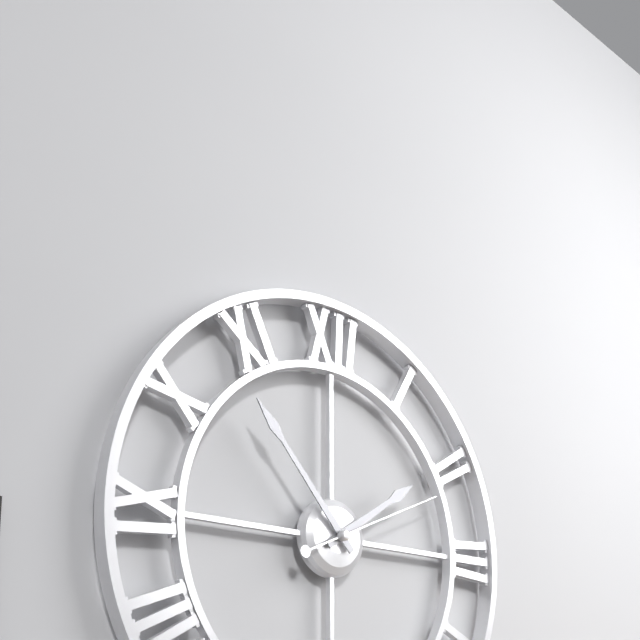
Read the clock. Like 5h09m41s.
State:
1h53m11s
